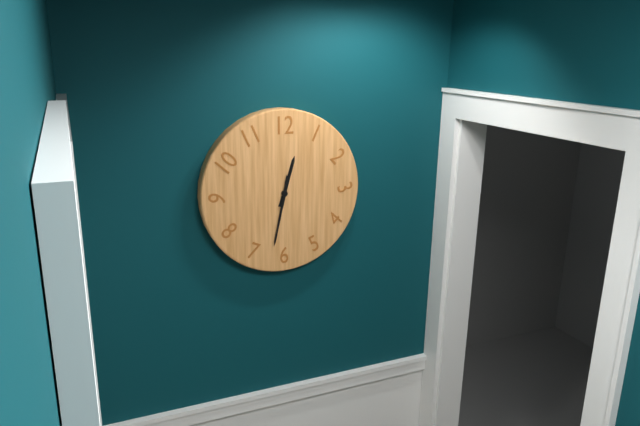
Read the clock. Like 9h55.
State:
12h32
